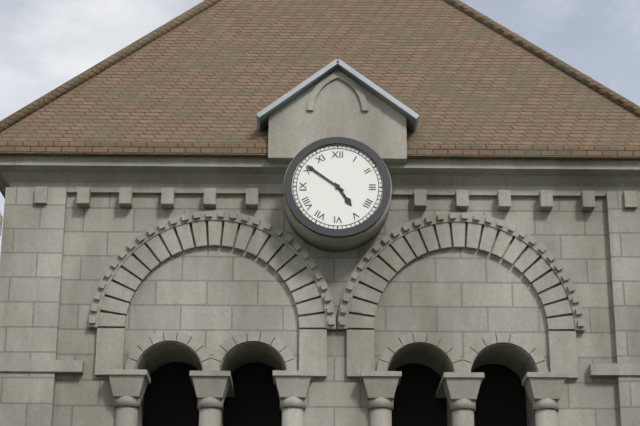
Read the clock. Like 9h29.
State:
4h51
